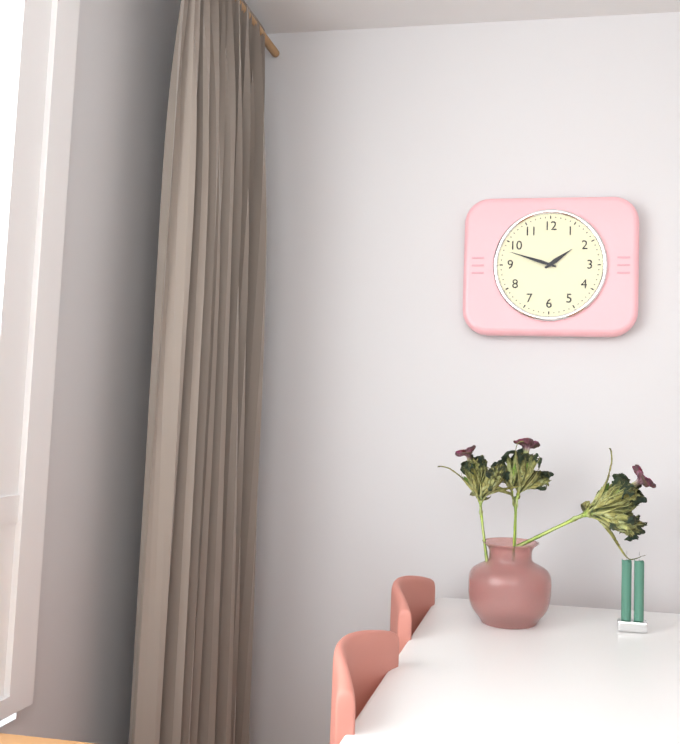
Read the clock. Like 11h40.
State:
1h48
